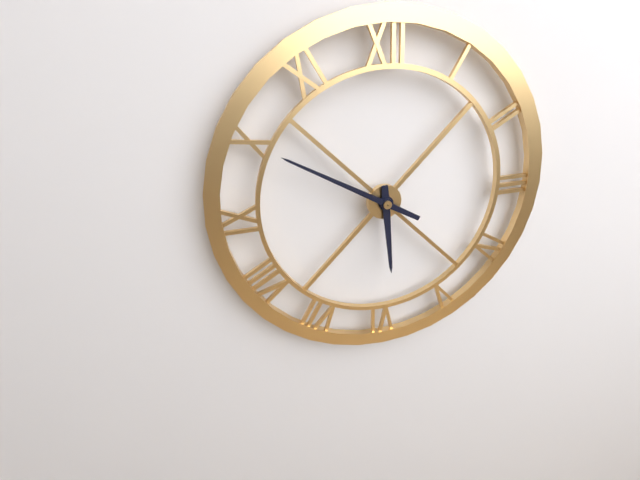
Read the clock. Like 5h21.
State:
5h50
